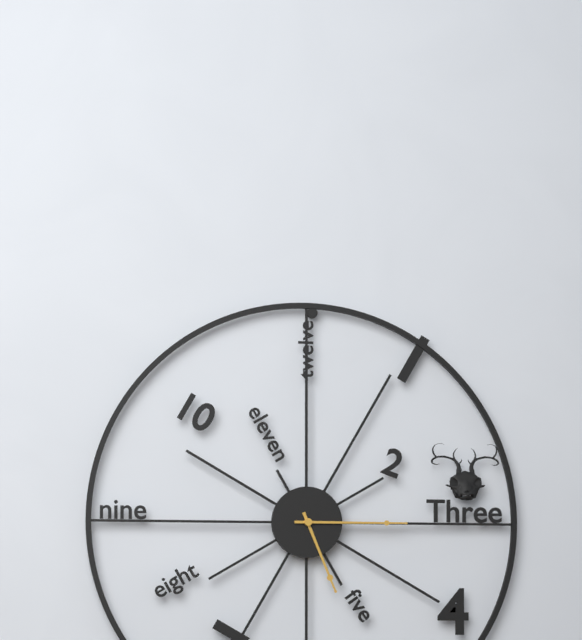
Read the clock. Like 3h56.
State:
5h15
